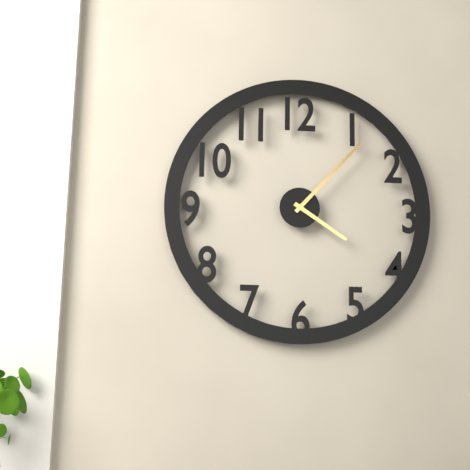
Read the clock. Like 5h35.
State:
4h07
